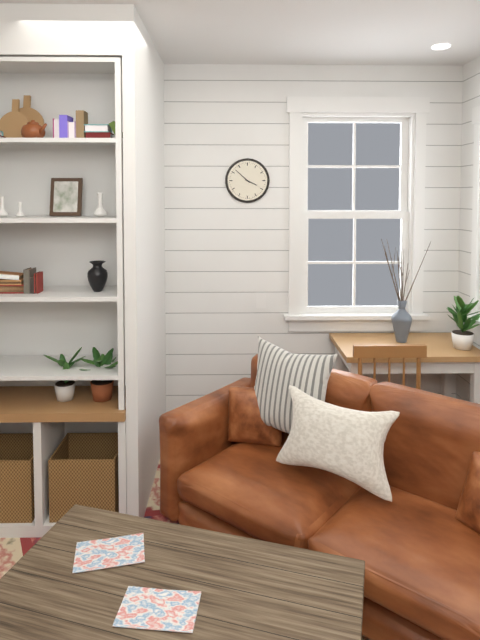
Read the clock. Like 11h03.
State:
3h52
